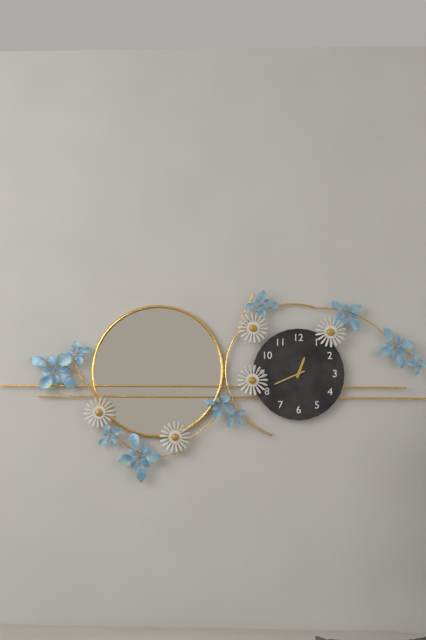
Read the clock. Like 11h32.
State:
12h41
